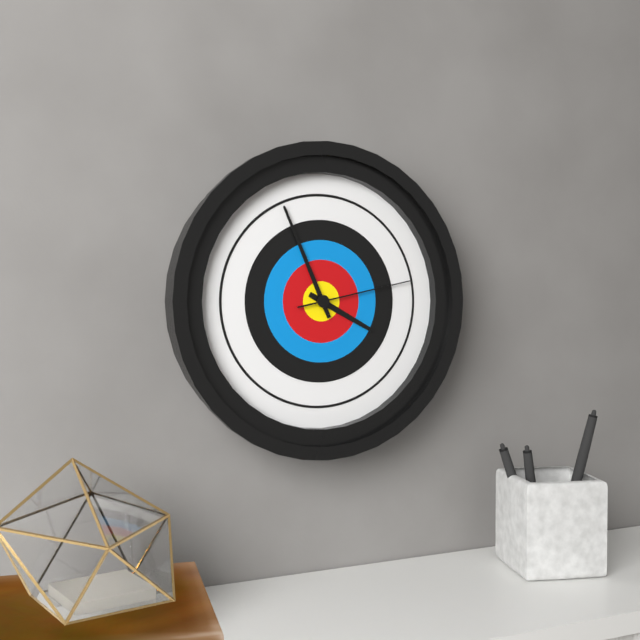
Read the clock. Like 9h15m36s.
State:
3h56m13s
